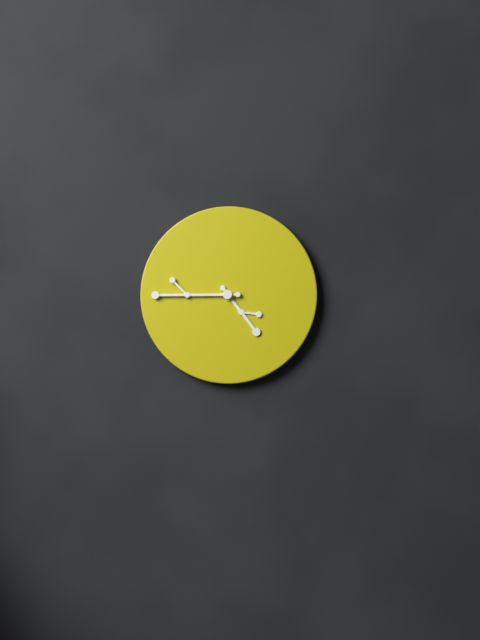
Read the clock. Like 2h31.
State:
4h45
